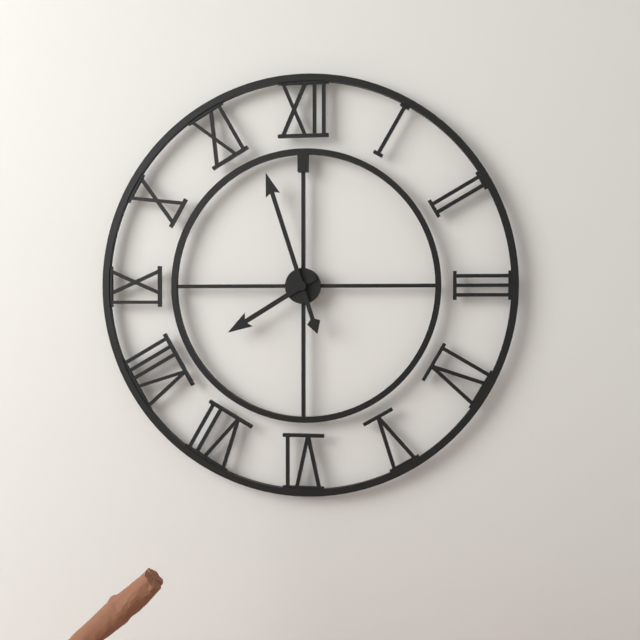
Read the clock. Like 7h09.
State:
7h57
